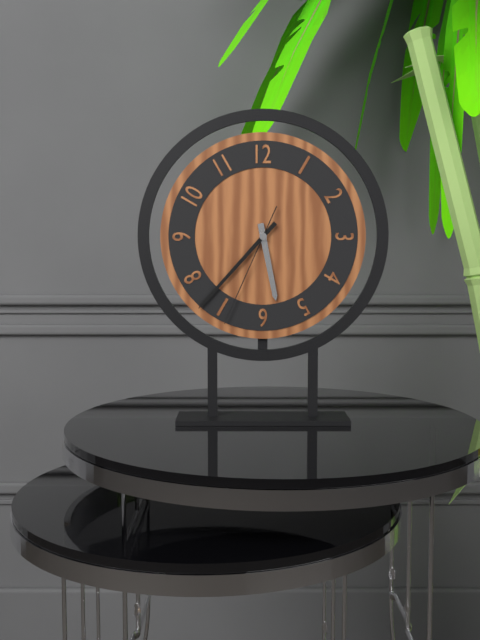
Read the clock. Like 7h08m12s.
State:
5h37m34s
